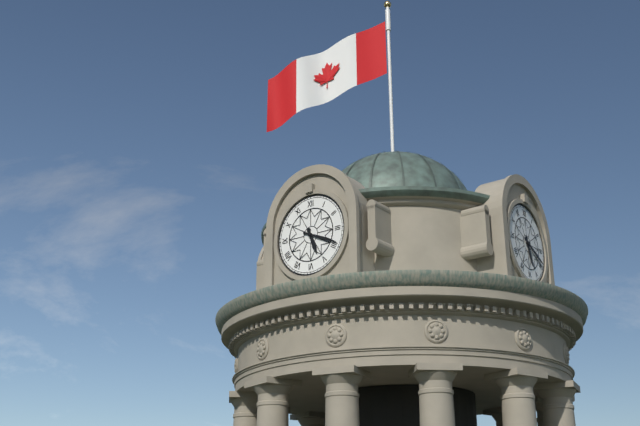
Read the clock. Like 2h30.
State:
5h19
